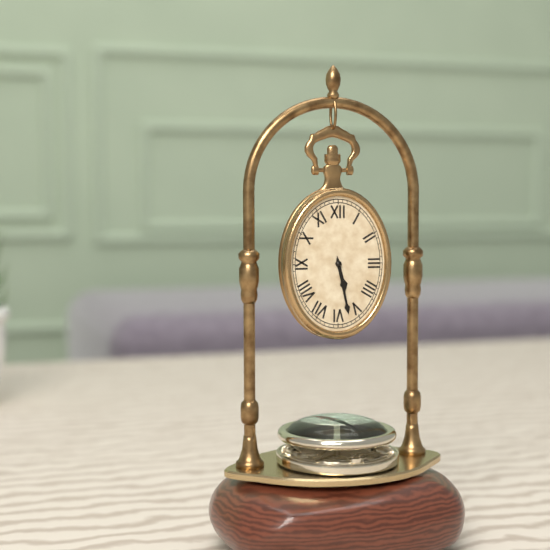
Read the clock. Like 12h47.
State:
5h28
